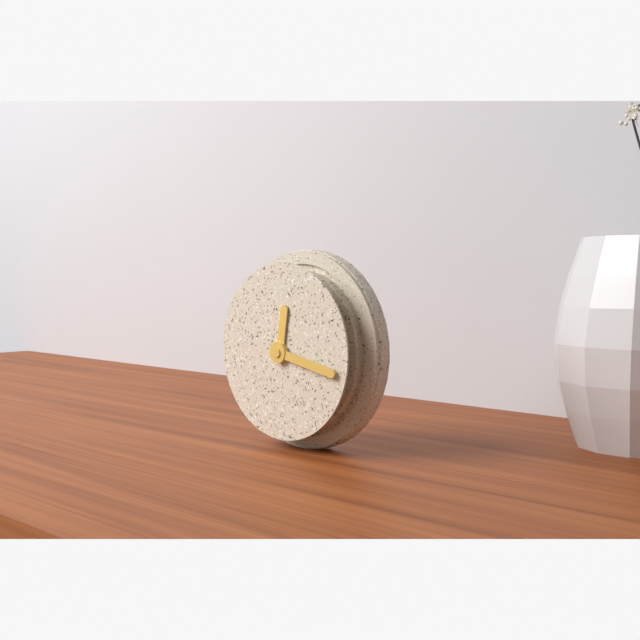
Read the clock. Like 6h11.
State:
12h17
